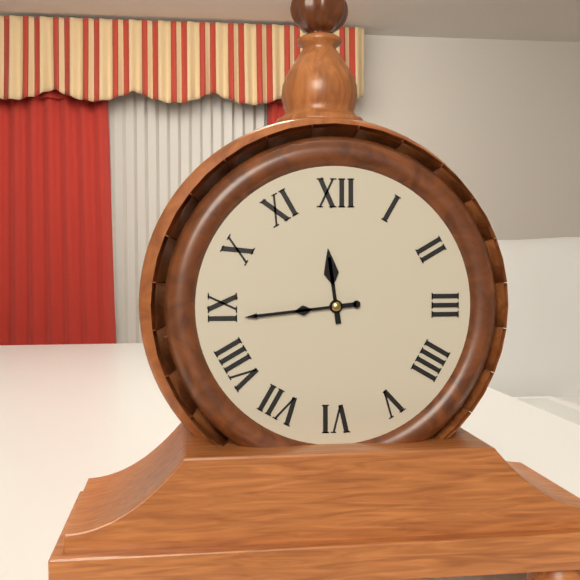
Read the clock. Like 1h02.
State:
11h44
